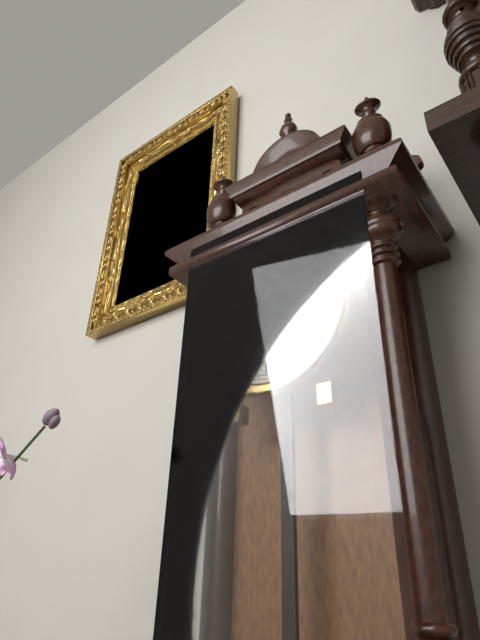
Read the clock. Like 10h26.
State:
6h46
